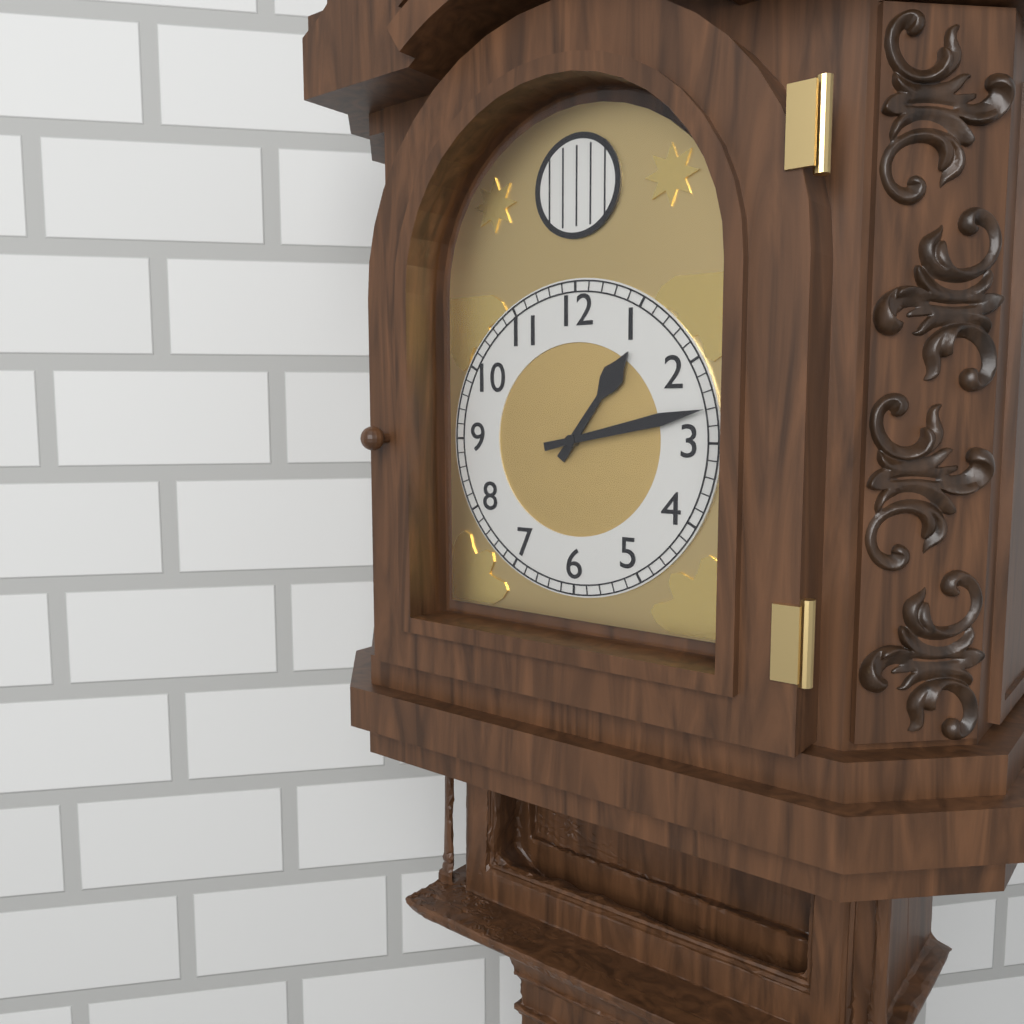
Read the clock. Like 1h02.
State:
1h13
